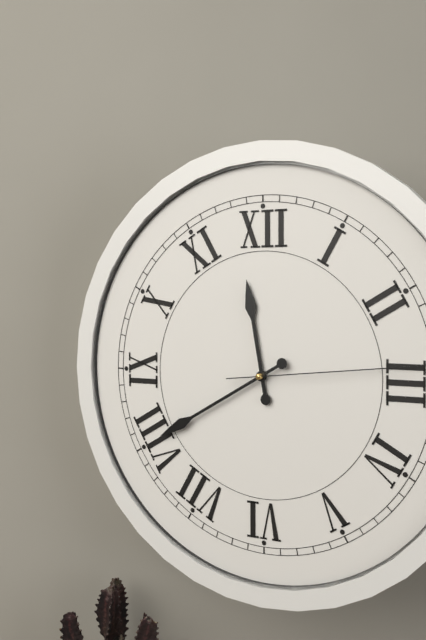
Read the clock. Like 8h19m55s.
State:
11h40m14s
